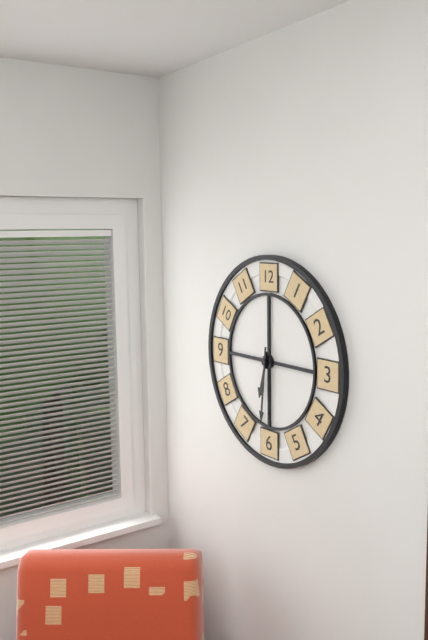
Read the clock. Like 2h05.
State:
6h31
